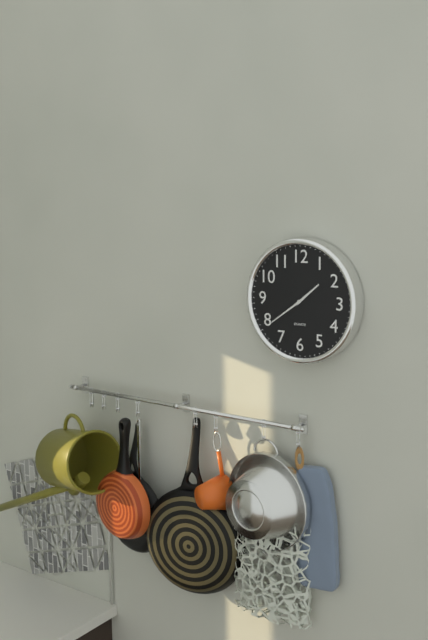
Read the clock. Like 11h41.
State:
1h39
